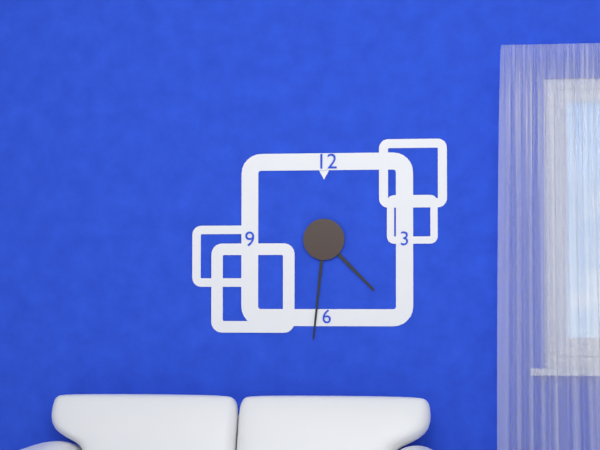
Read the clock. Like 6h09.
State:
4h31
